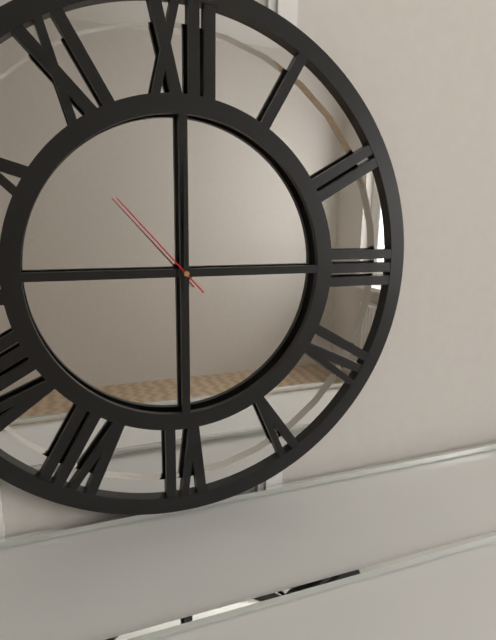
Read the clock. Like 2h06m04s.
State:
12h00m53s
